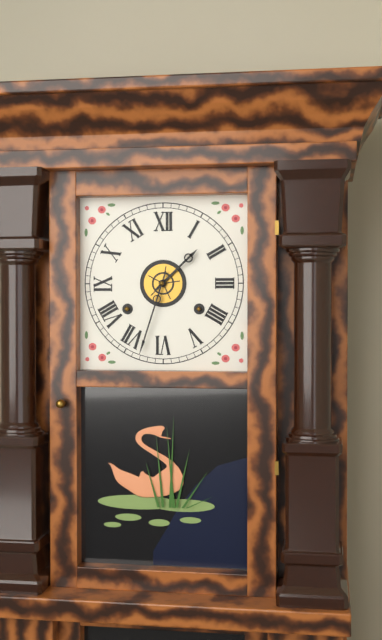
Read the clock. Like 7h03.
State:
1h33
